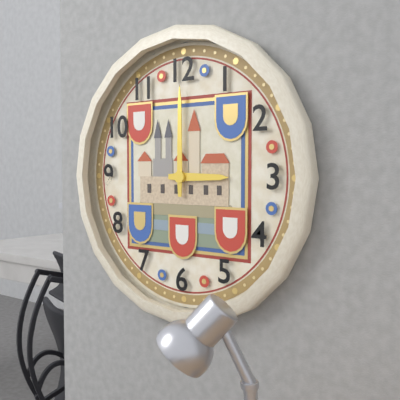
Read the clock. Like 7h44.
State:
3h00
